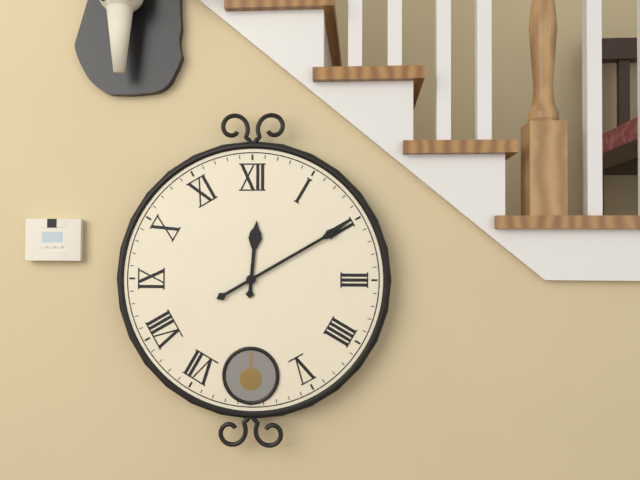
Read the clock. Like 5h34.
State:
12h10
